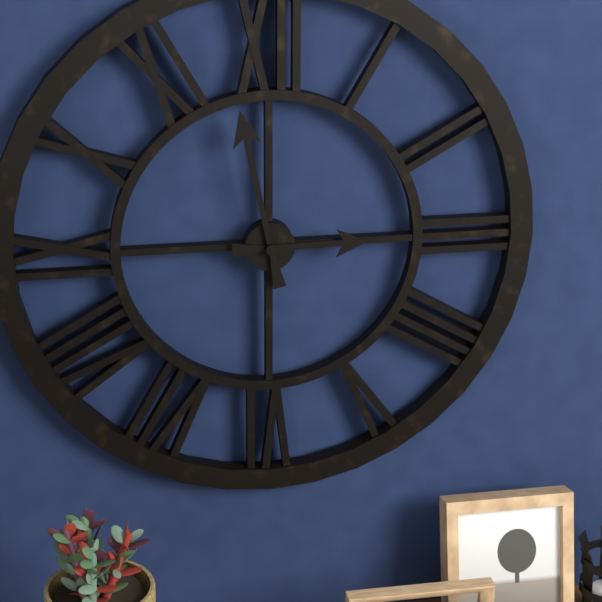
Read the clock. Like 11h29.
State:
2h58
